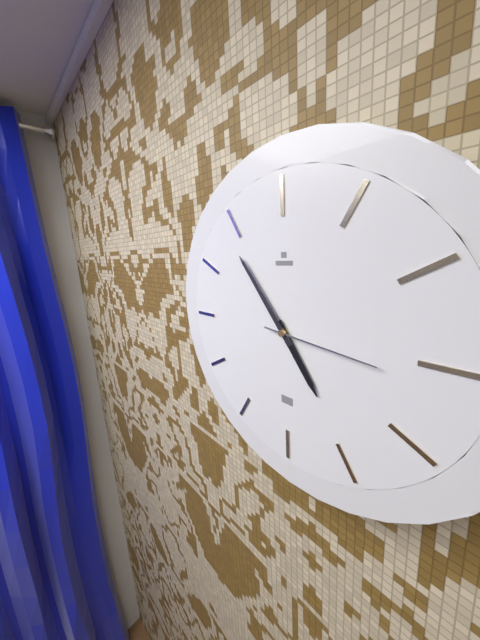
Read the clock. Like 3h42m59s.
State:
4h54m16s
